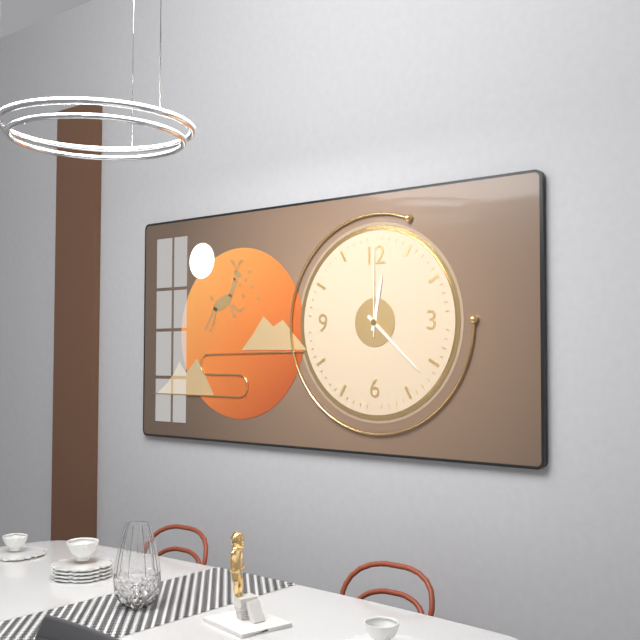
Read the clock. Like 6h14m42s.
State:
12h22m00s
